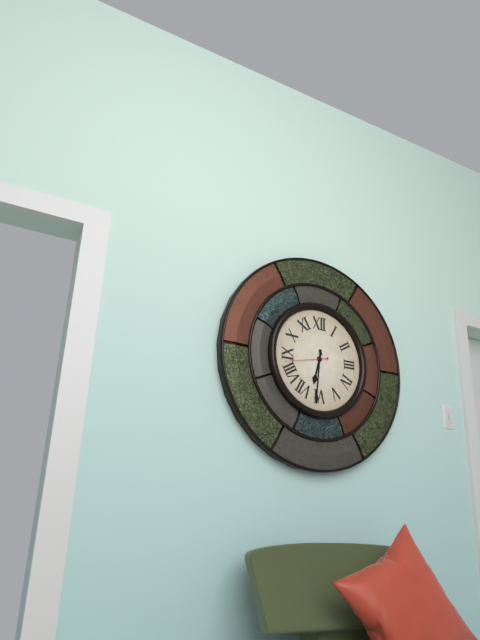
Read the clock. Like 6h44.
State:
6h31
